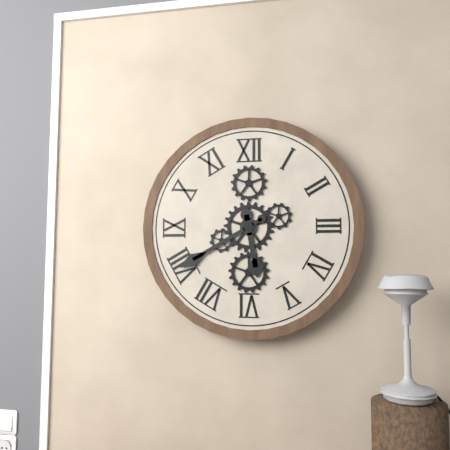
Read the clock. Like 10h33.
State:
5h40
